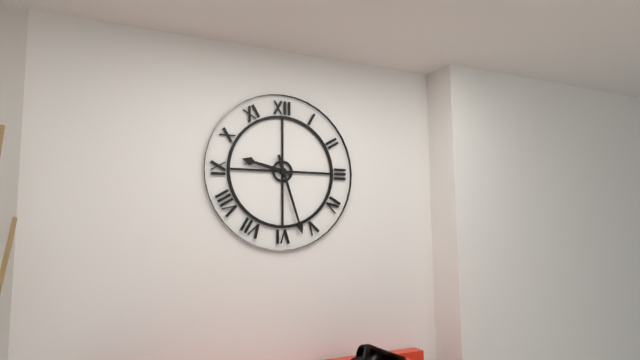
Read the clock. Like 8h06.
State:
9h27
